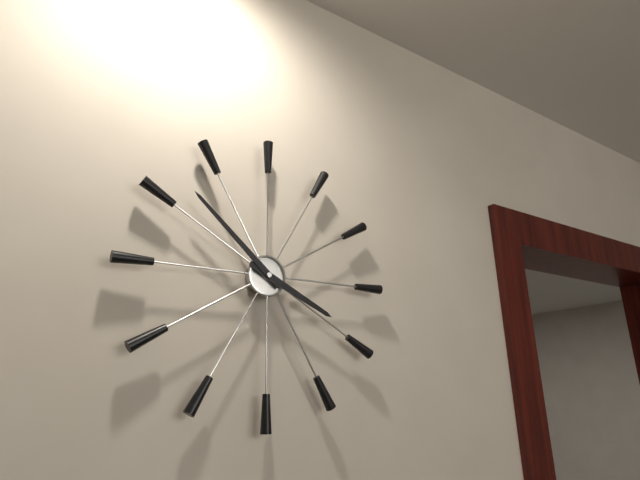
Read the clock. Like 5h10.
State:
3h52
